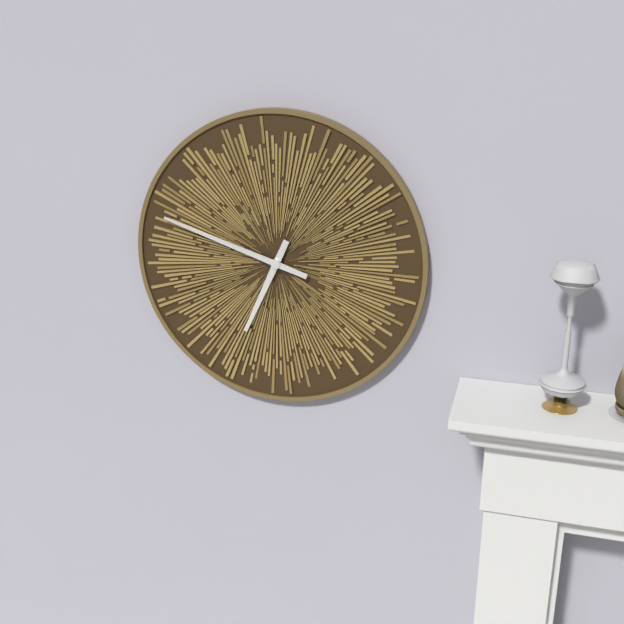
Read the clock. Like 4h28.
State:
6h48
